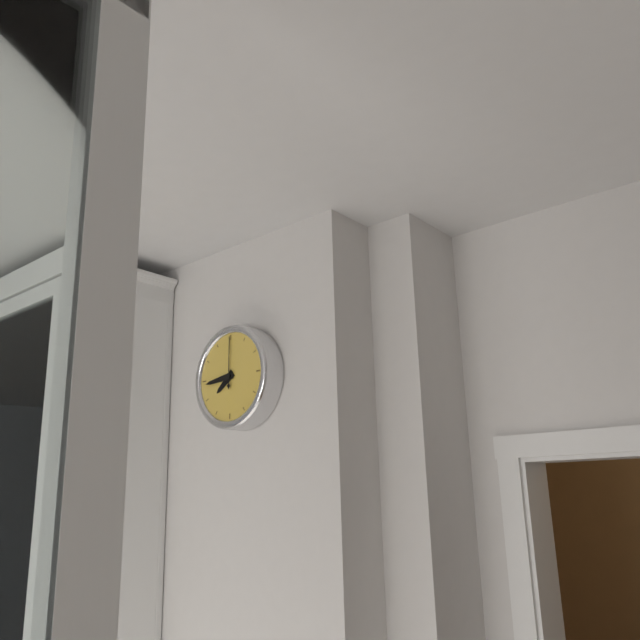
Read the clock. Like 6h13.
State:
7h44
